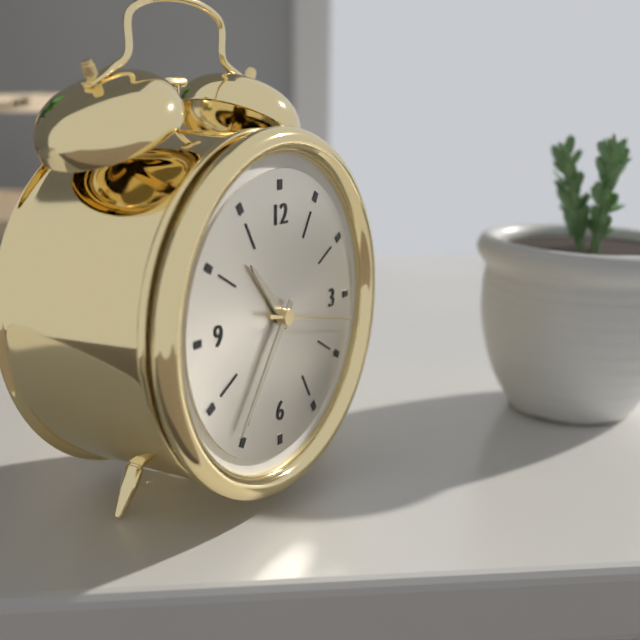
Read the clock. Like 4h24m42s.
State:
10h36m17s
